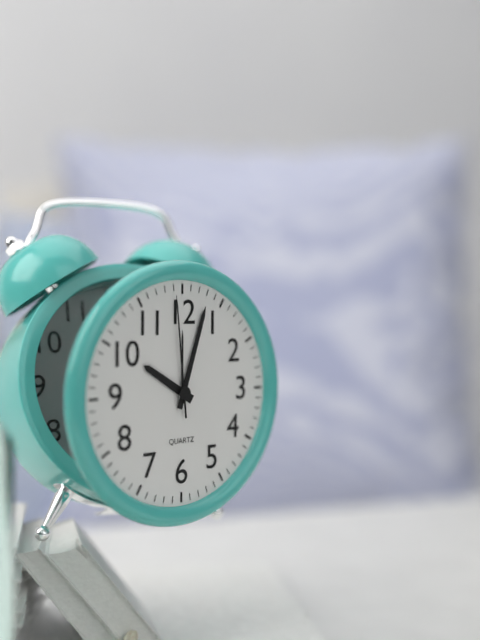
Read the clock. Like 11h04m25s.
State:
10h03m59s
